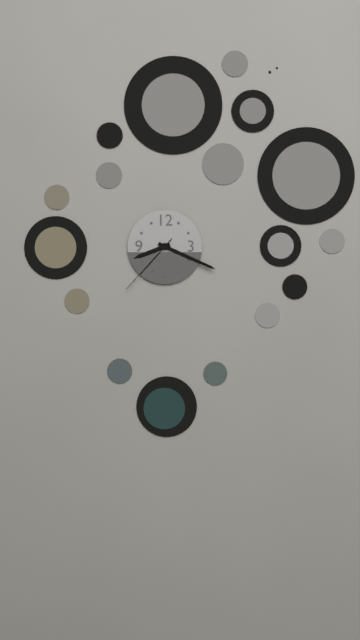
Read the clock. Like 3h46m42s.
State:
8h19m37s
